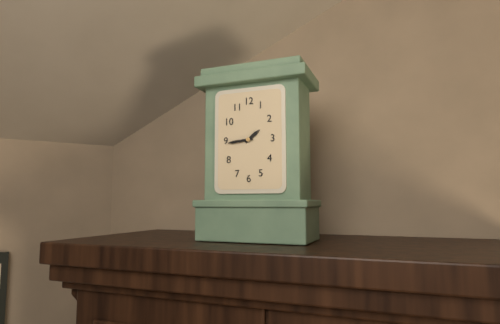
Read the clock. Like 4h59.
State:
1h44
